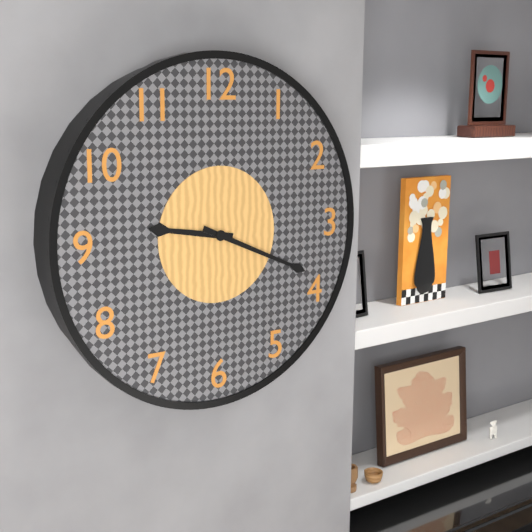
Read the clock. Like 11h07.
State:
9h19
